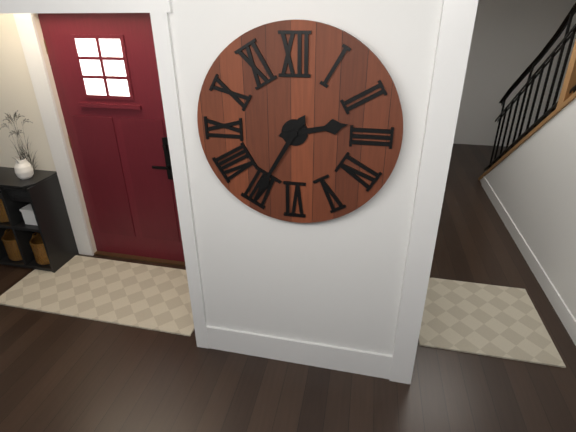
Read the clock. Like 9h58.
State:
2h35
